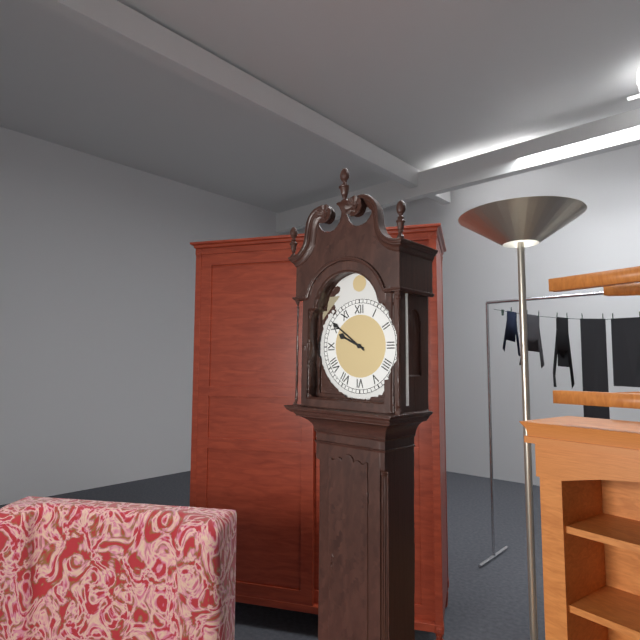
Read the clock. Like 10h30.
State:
9h51
